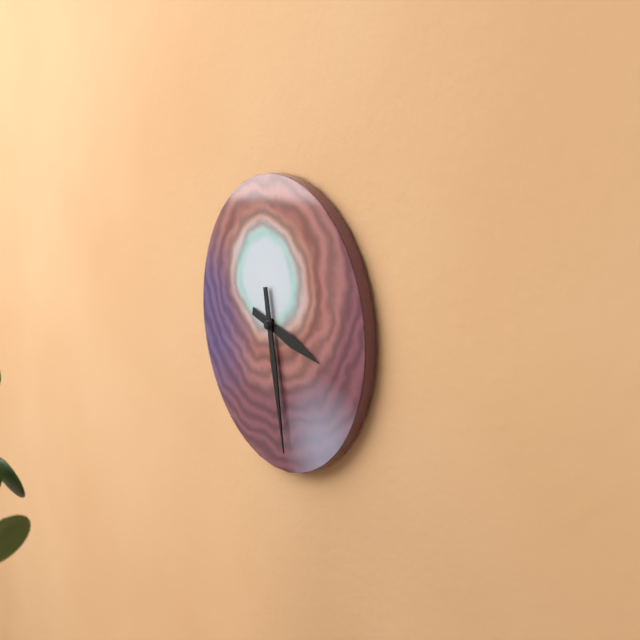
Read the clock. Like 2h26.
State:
3h28
